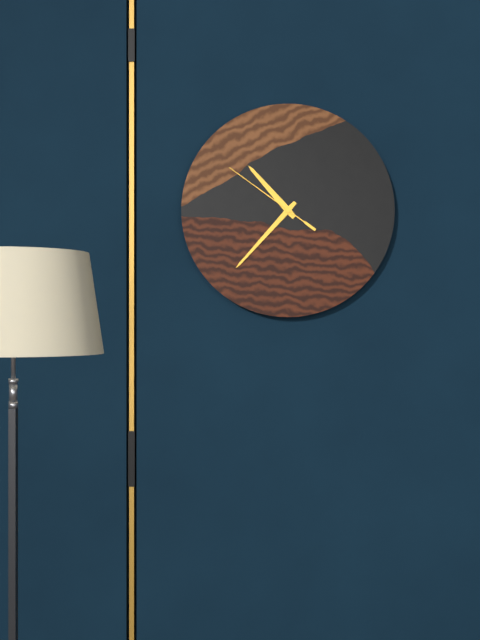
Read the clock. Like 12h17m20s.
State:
10h37m51s
